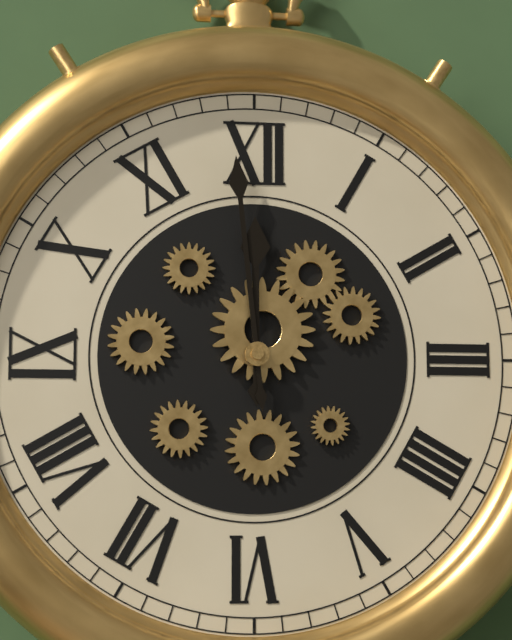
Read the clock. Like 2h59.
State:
11h59
